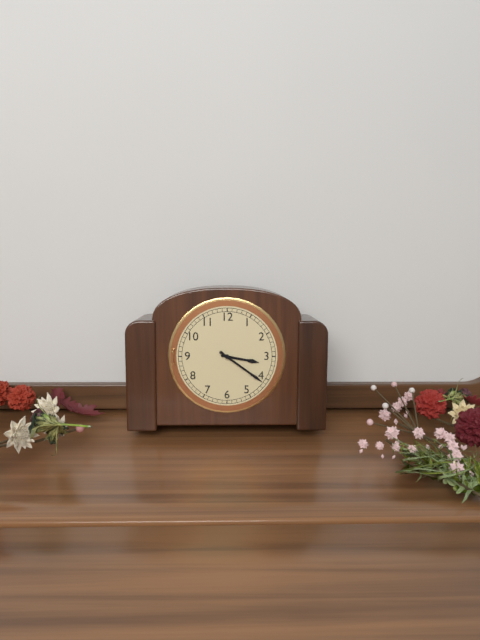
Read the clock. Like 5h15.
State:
3h21
